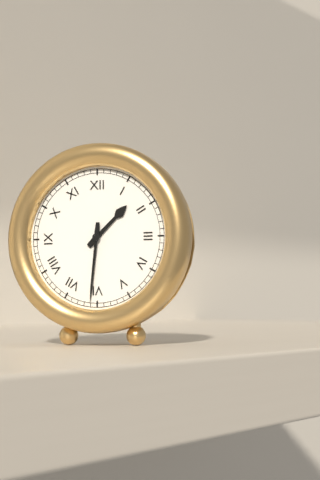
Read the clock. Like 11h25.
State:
1h31
